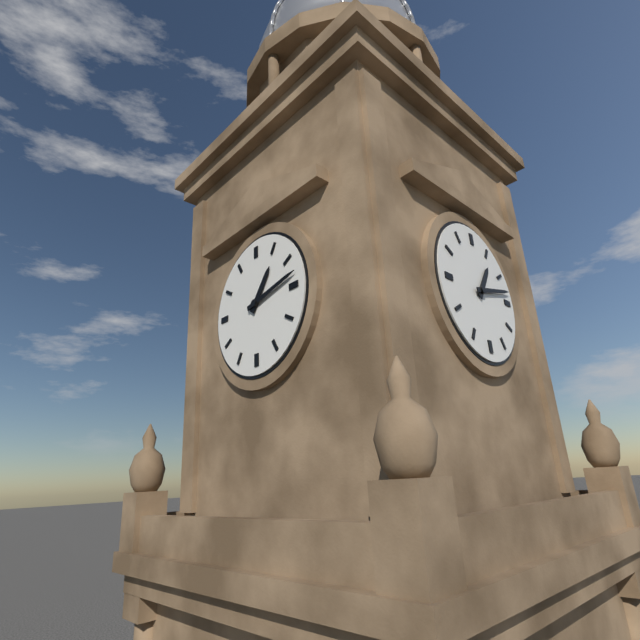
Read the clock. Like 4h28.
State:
1h13
